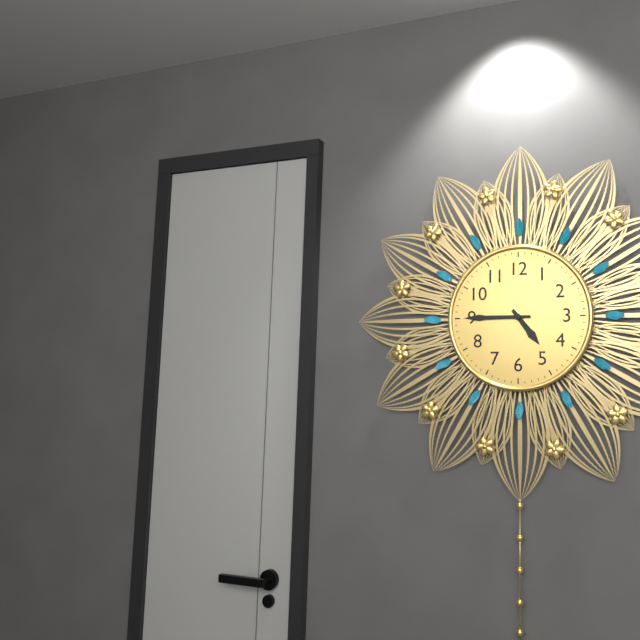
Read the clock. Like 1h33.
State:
4h45
